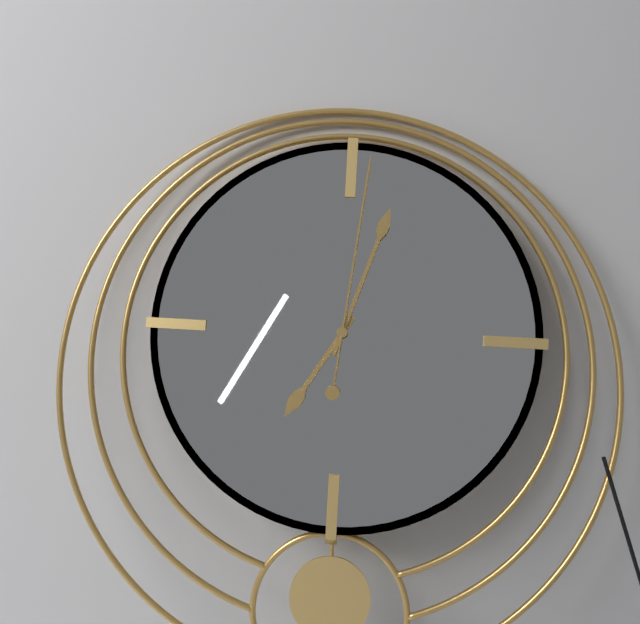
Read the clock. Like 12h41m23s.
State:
7h03m01s
